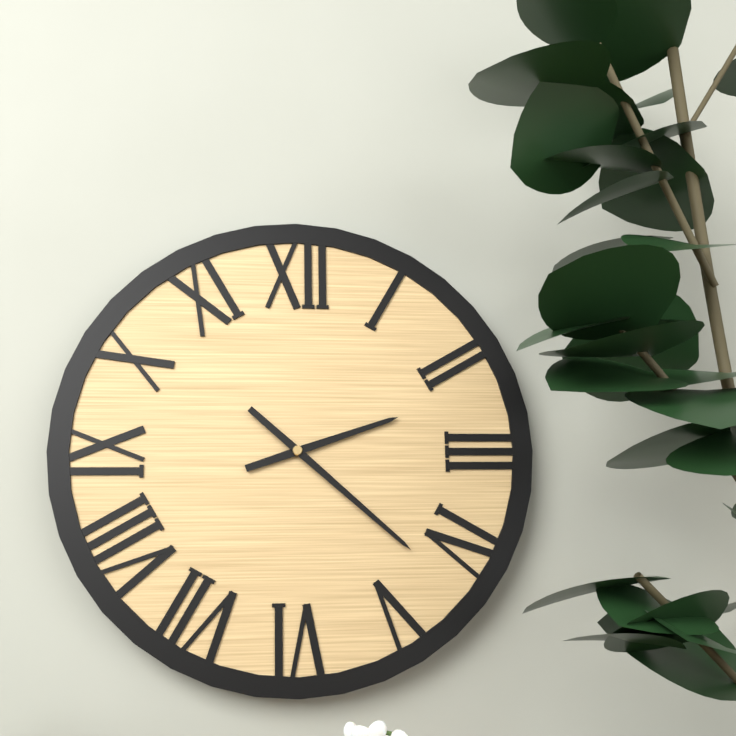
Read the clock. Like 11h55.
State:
2h22
